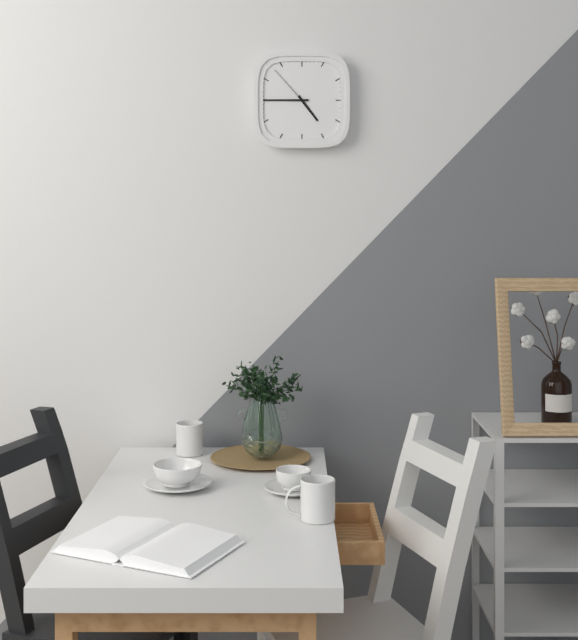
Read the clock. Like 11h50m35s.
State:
4h45m53s
